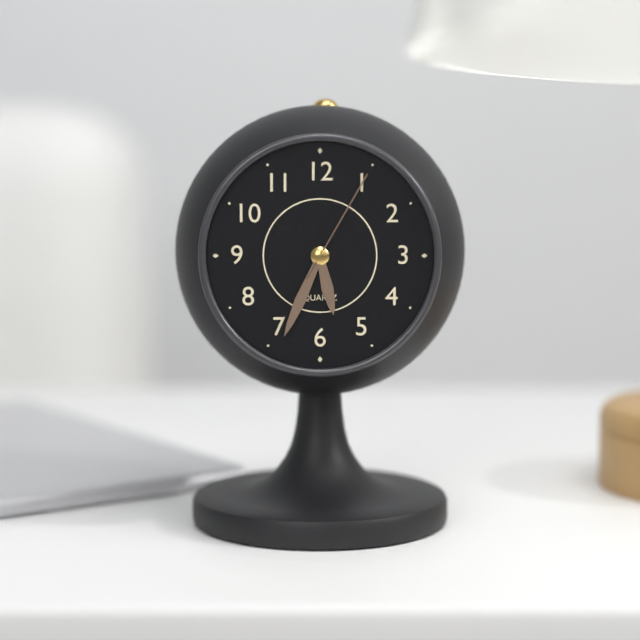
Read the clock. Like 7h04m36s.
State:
5h34m05s
